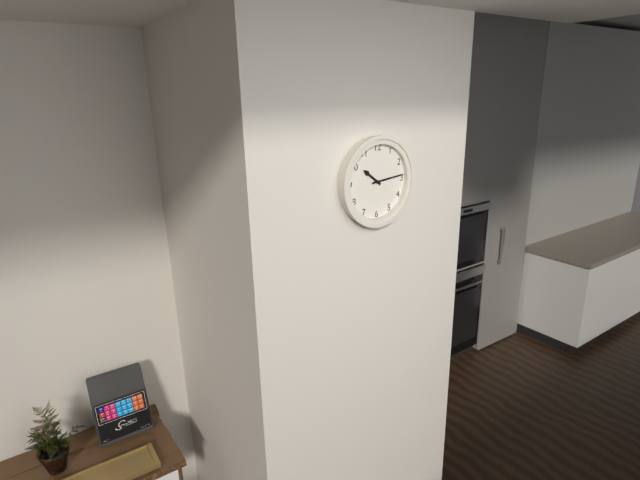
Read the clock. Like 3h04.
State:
10h14
